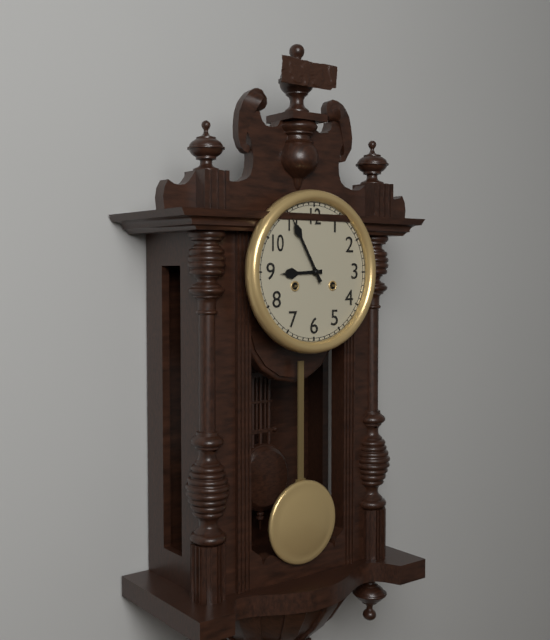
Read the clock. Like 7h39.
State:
8h55
